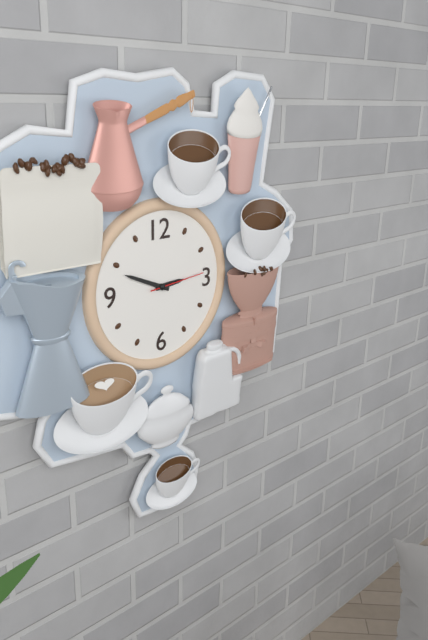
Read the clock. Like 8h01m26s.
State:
2h49m14s
